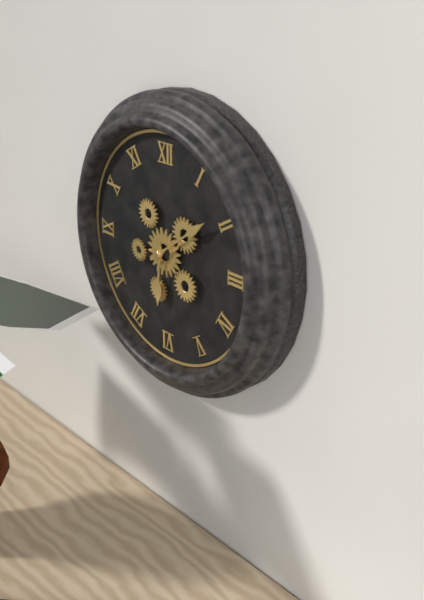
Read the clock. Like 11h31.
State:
6h09
